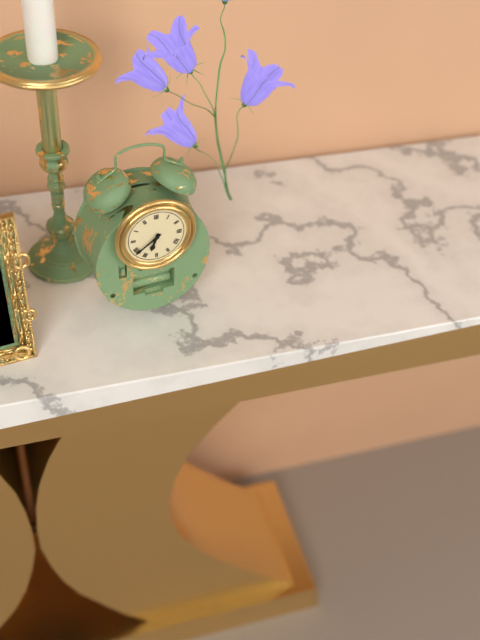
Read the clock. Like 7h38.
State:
6h39
